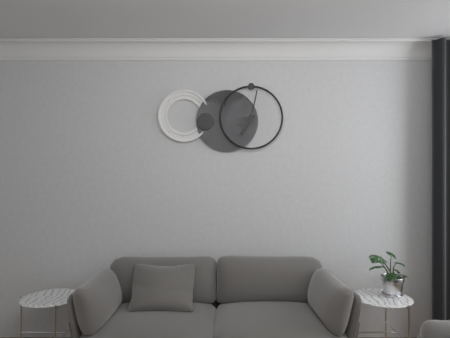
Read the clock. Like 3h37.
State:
7h02
